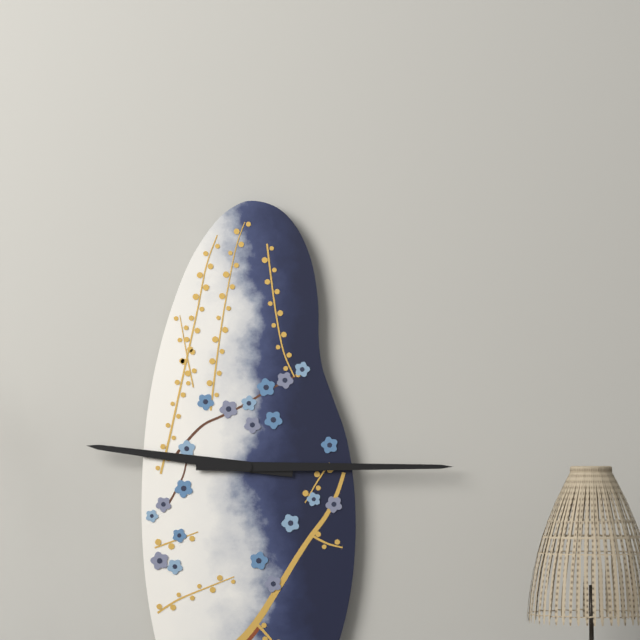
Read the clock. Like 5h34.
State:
9h15
